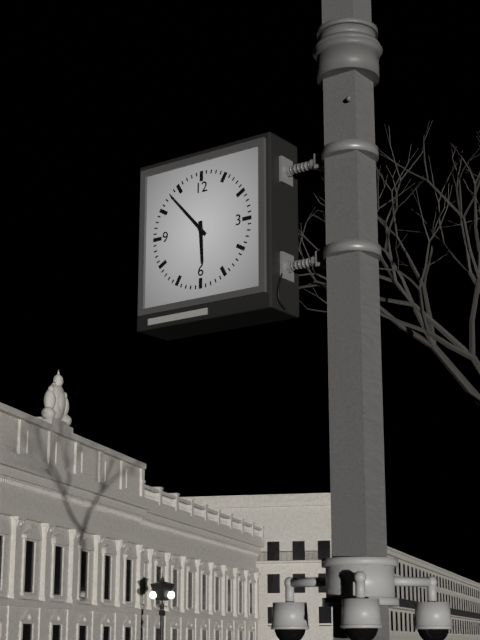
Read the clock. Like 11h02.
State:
5h53
